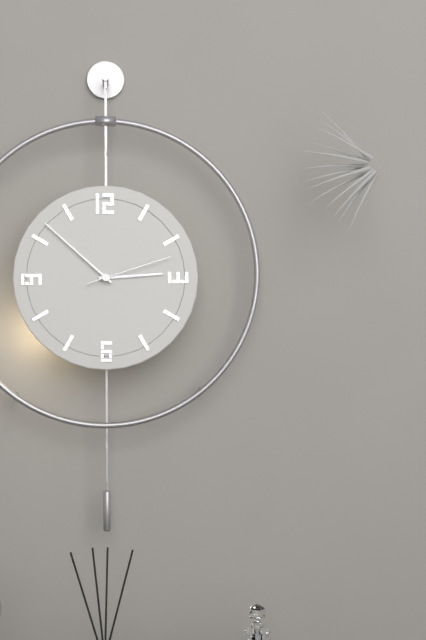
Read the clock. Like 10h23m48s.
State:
2h52m12s
